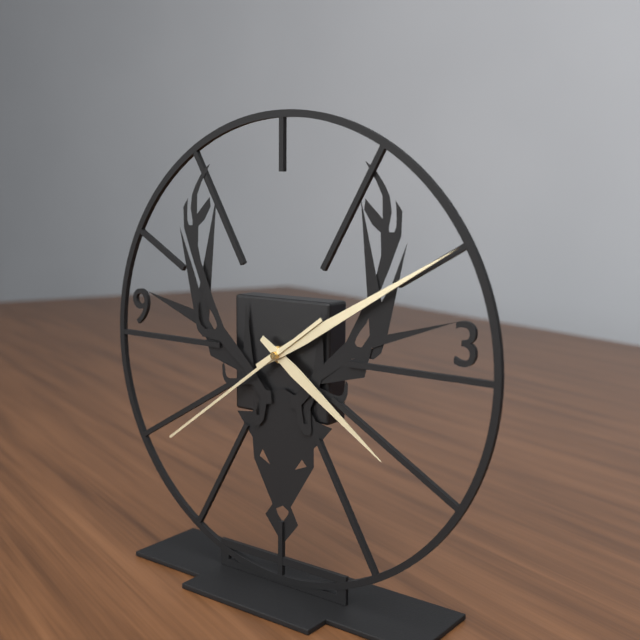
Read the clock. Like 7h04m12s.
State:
4h10m39s
